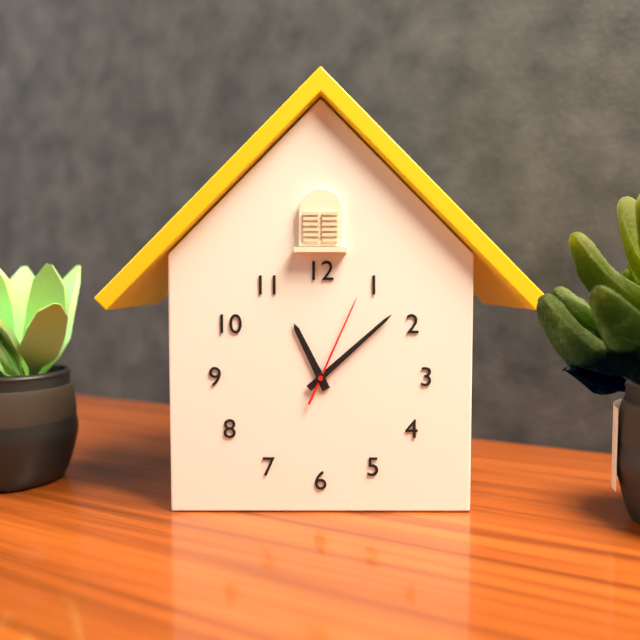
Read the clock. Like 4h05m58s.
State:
11h08m04s
